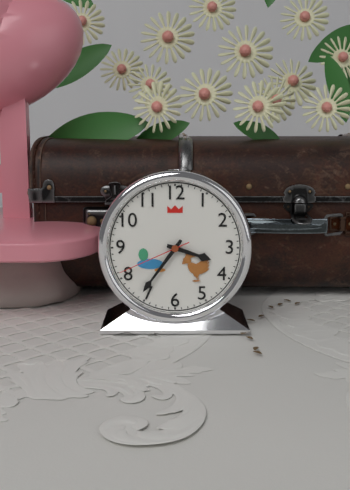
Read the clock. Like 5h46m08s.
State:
3h36m41s
